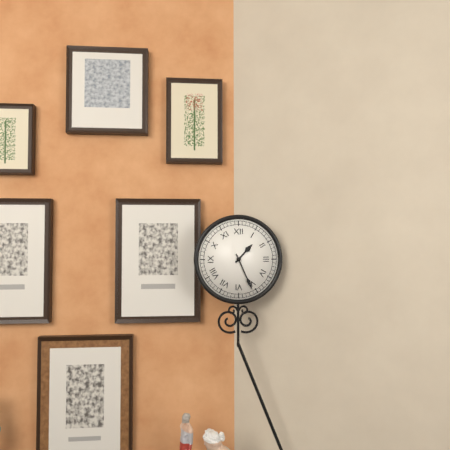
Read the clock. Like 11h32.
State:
1h26
